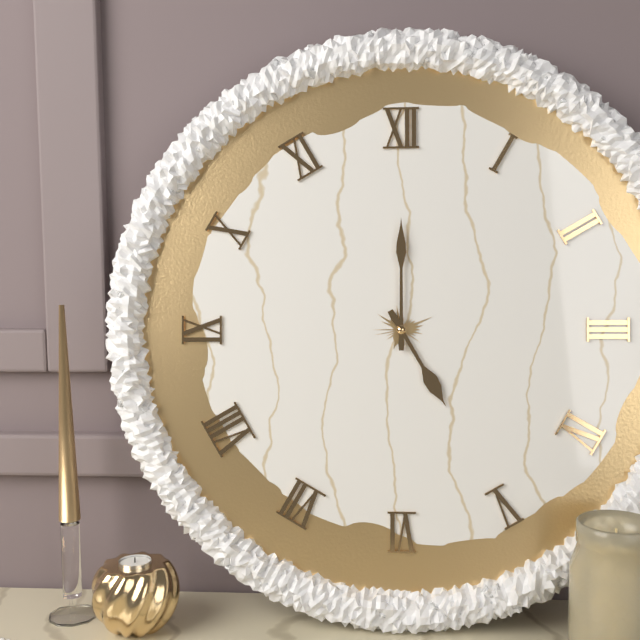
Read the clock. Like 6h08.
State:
5h00
